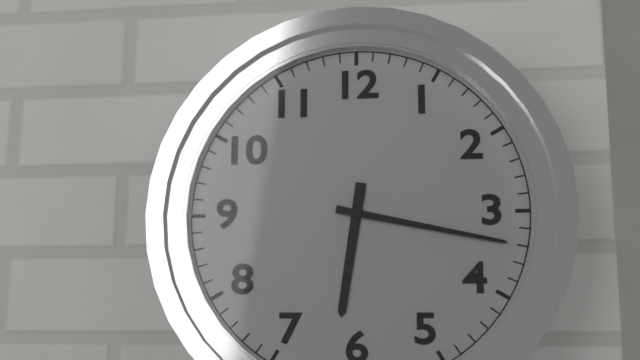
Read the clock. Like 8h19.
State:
6h17
